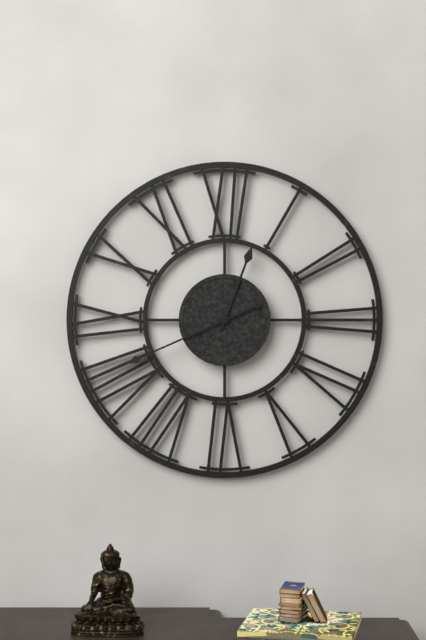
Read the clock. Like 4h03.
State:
12h41
